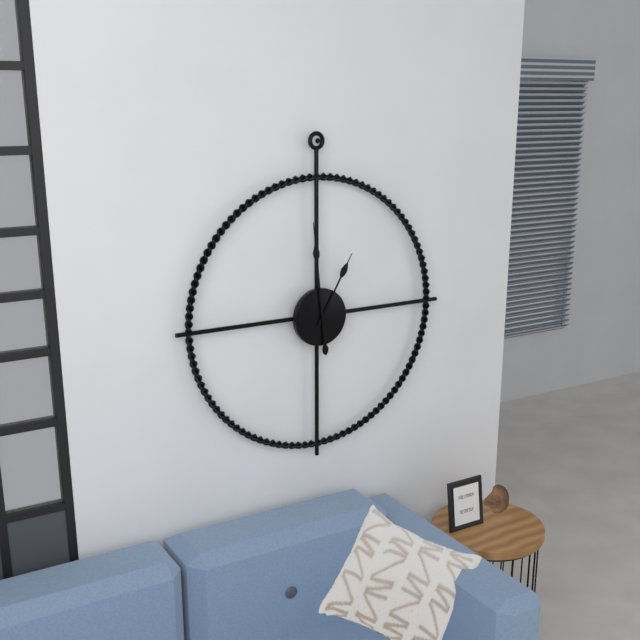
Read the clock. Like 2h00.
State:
12h59
